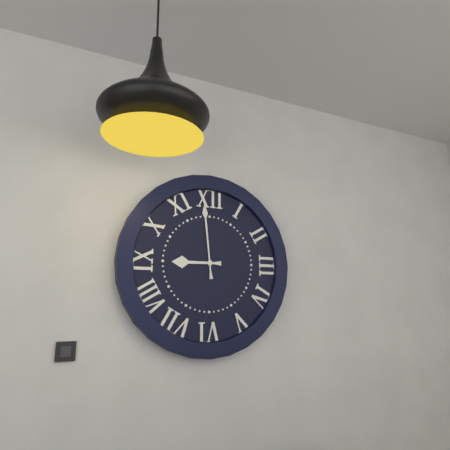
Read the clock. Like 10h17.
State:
8h59
